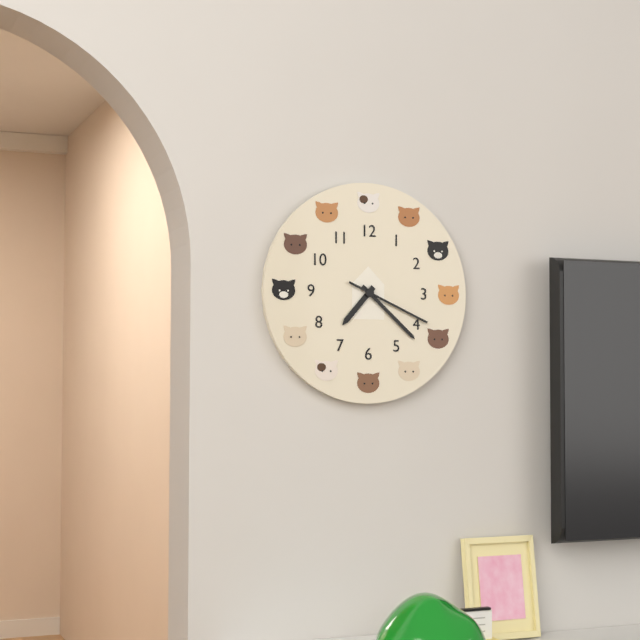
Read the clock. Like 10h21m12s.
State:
7h22m19s
